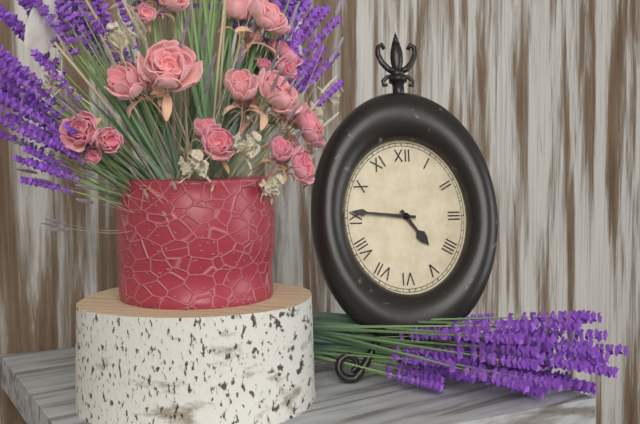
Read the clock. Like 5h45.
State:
4h46
